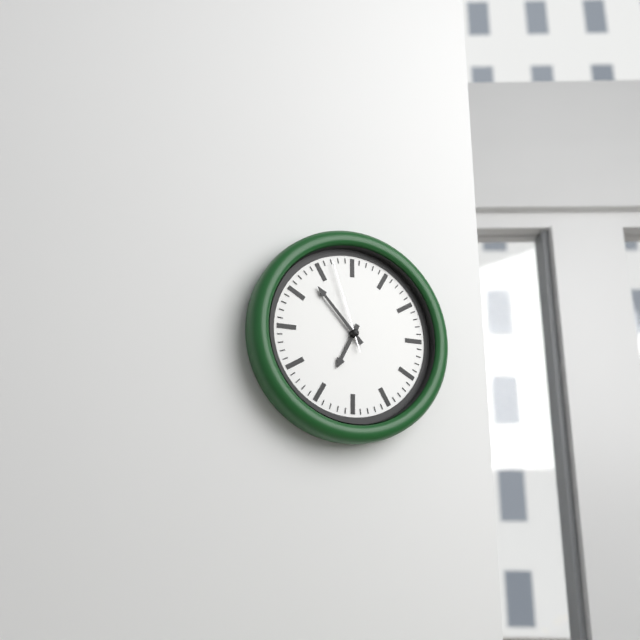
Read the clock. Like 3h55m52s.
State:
6h53m57s
